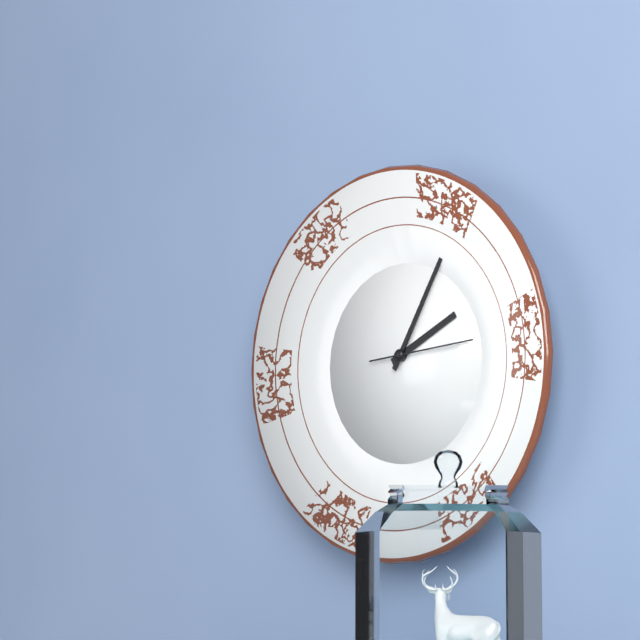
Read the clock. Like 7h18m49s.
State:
2h05m14s
